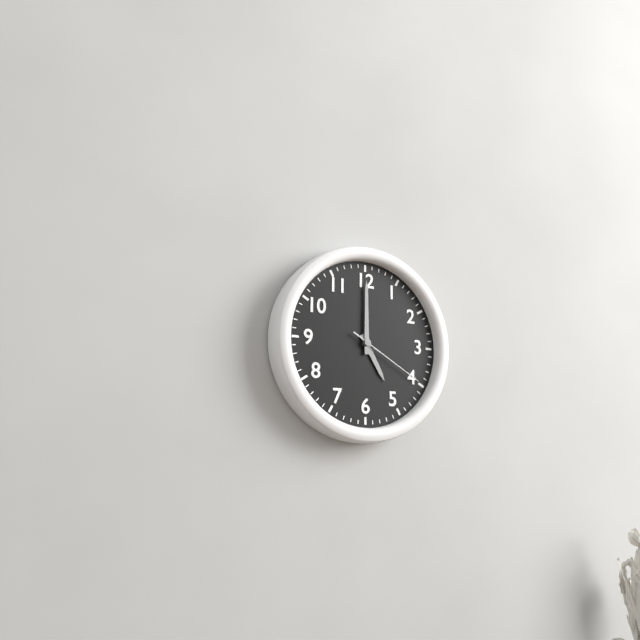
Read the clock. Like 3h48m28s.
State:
5h00m20s
